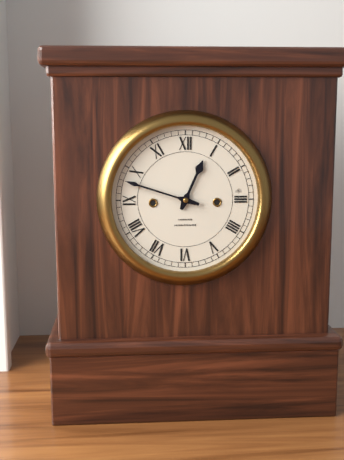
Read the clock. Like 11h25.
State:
12h48
